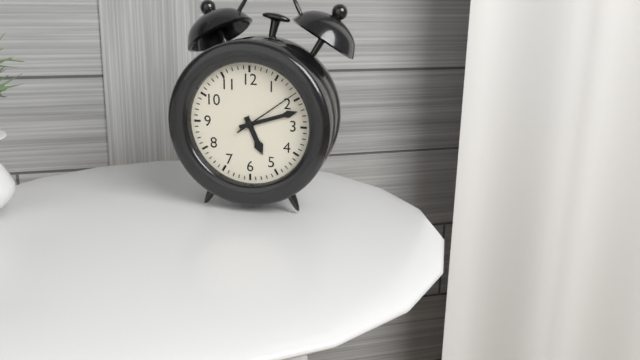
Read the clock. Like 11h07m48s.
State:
5h12m09s
